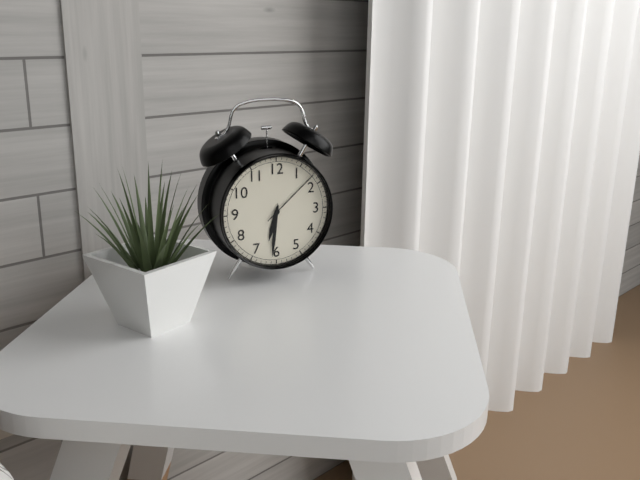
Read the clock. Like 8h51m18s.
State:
6h31m08s
